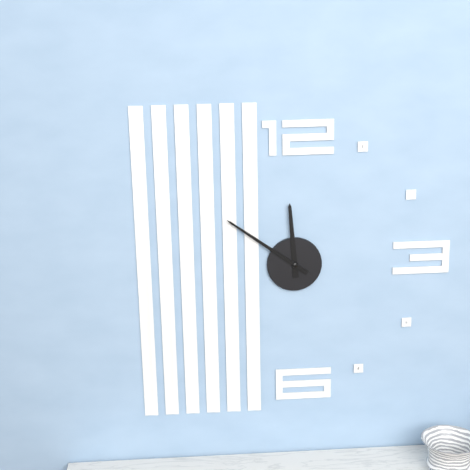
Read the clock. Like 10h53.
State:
11h51
